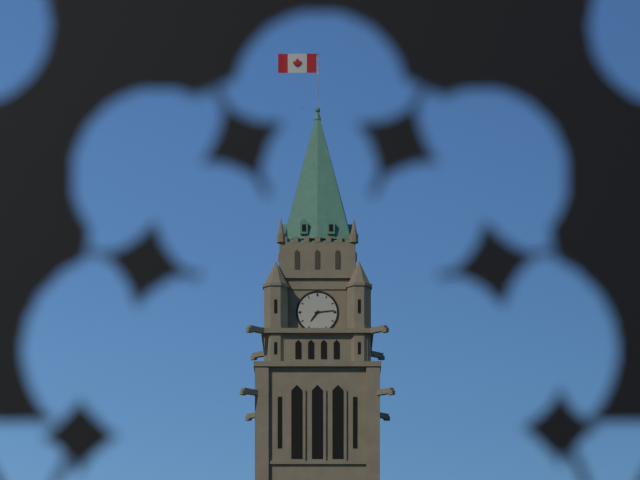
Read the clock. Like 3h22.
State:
7h14
